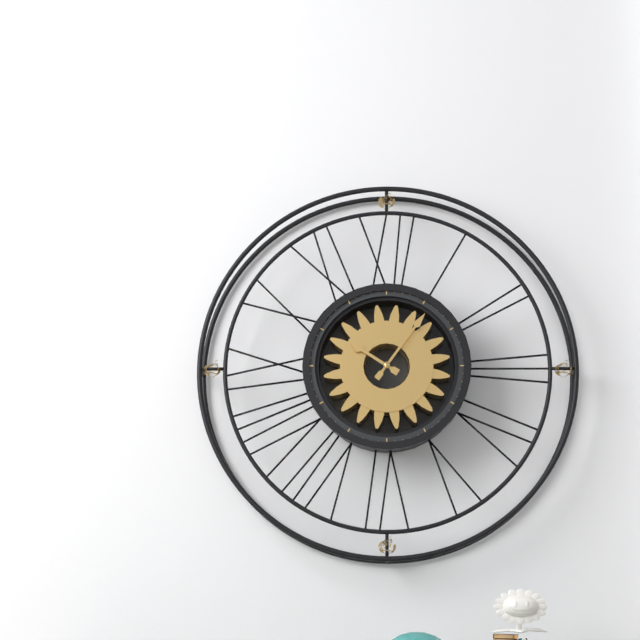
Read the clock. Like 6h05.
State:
10h06
